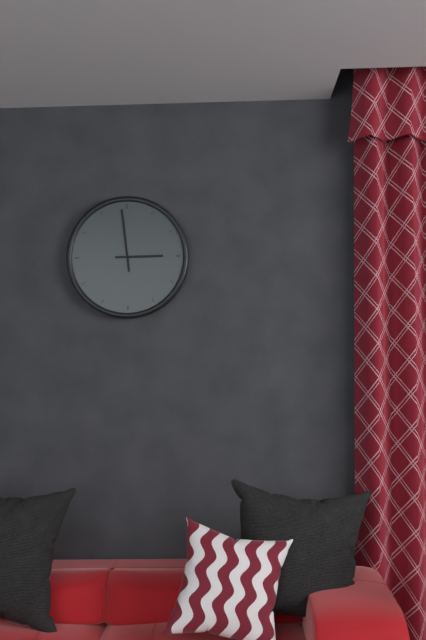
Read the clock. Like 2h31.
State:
2h59
